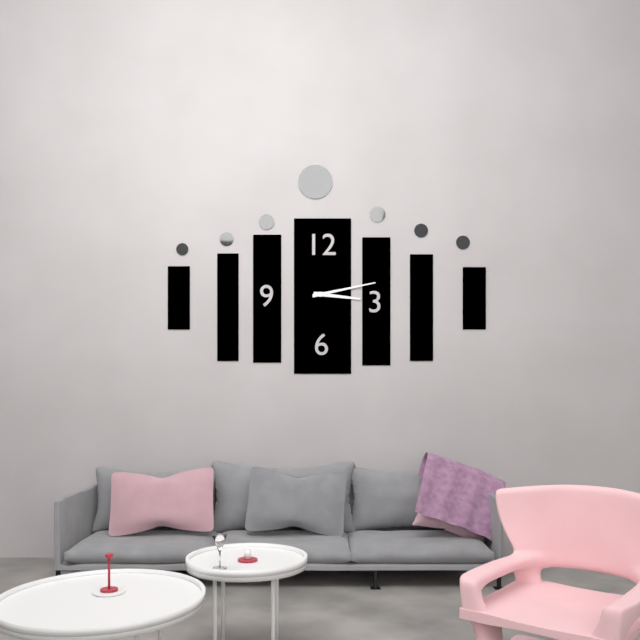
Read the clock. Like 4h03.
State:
3h13
